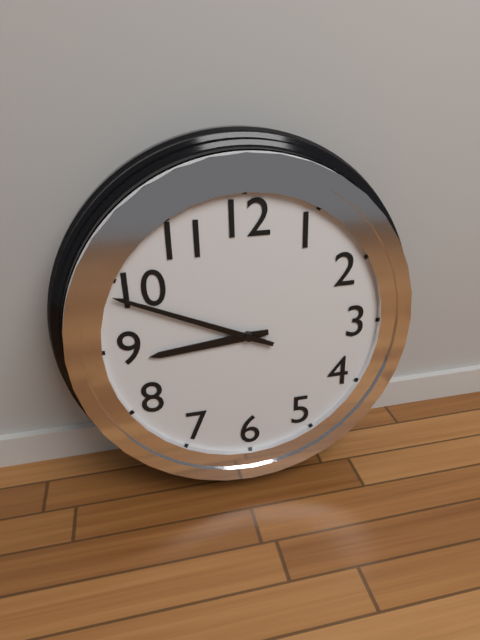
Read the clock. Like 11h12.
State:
8h49
